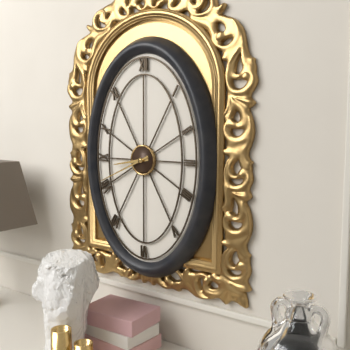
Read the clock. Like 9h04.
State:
8h41
